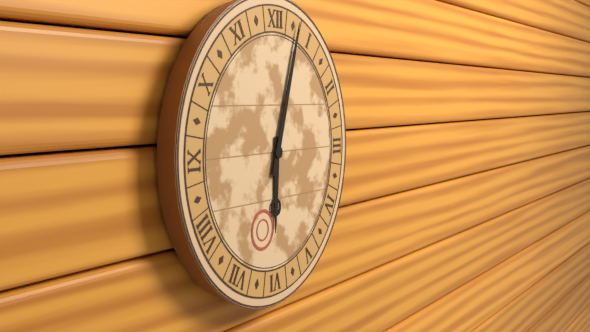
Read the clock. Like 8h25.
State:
6h03
